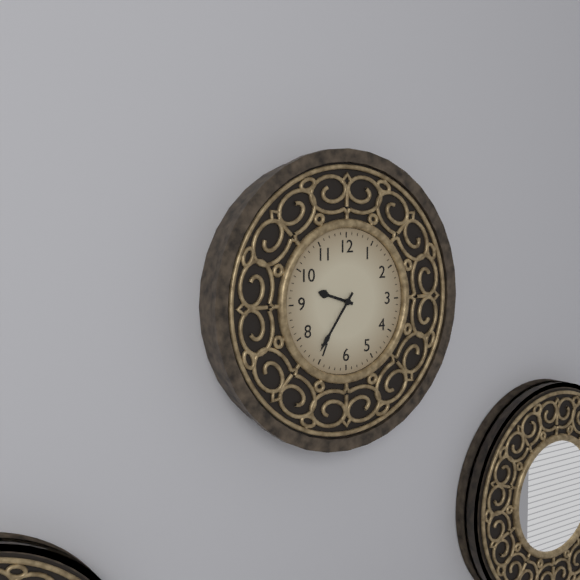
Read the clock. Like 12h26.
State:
9h36
